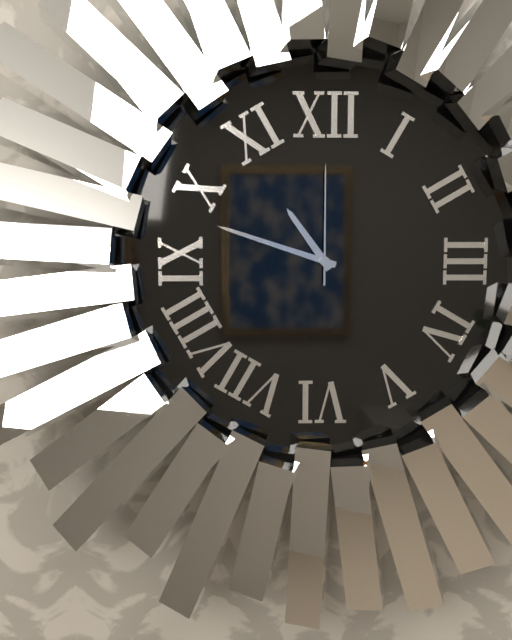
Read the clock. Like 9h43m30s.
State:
10h48m00s
